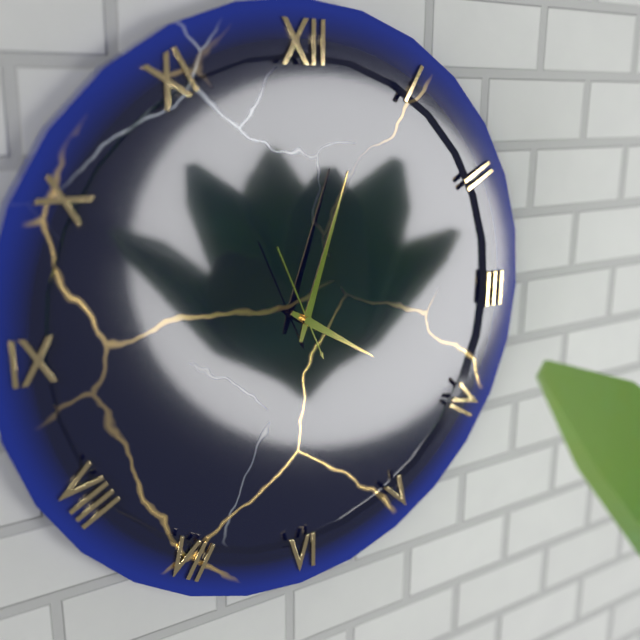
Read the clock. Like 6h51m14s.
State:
4h03m56s
